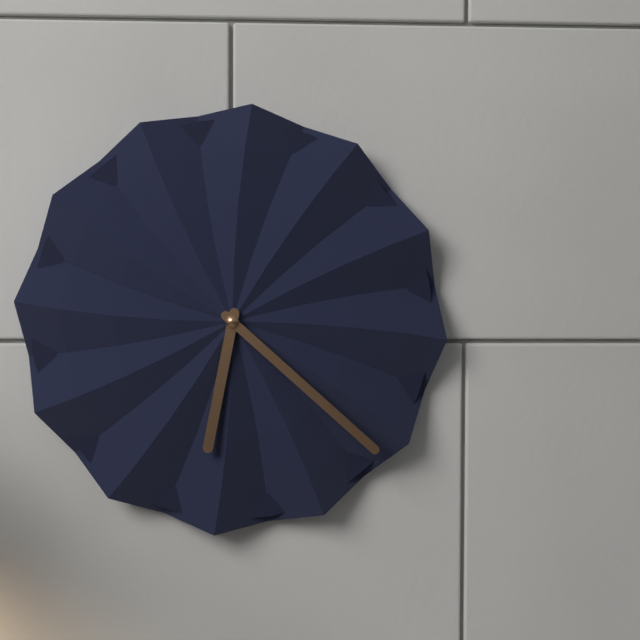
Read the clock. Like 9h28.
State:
6h22
